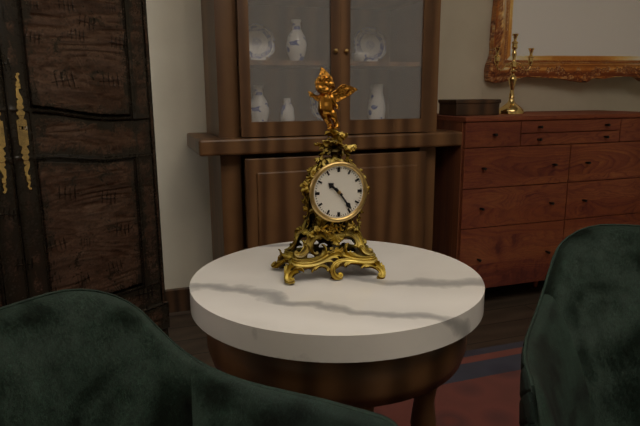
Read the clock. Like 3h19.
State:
10h24
